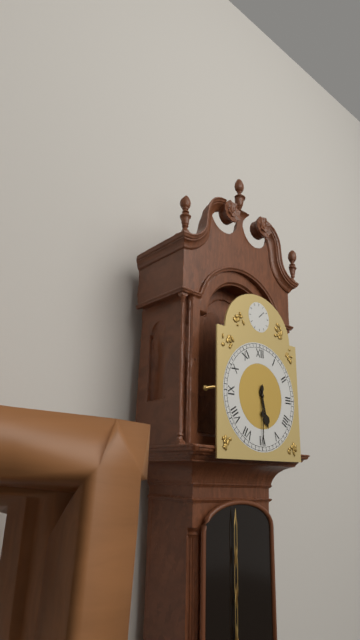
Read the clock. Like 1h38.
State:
5h30
